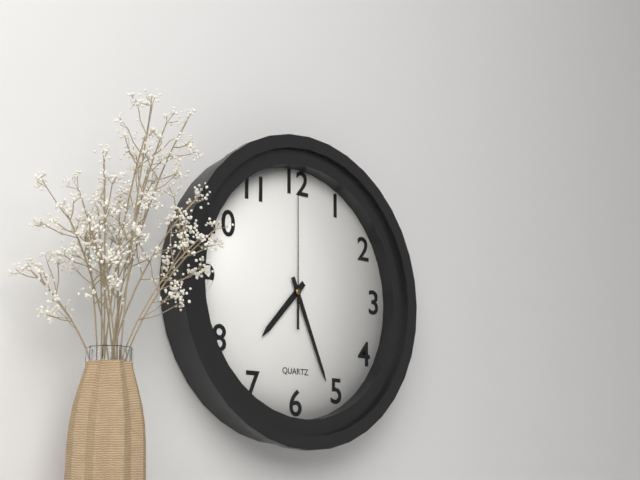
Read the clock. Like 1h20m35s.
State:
7h26m00s
